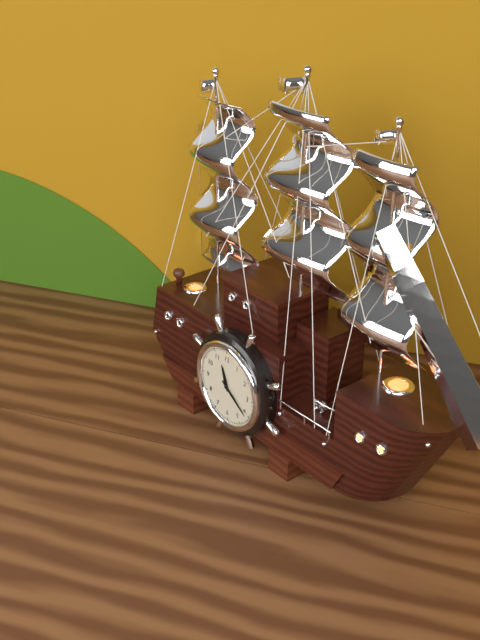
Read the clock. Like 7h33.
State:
11h21
